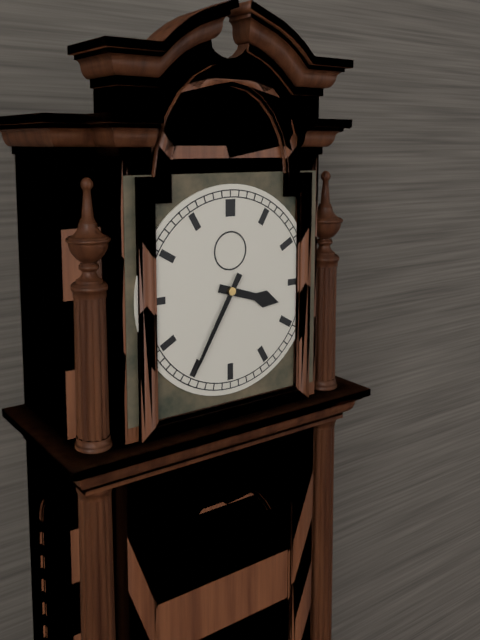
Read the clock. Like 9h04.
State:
3h35
